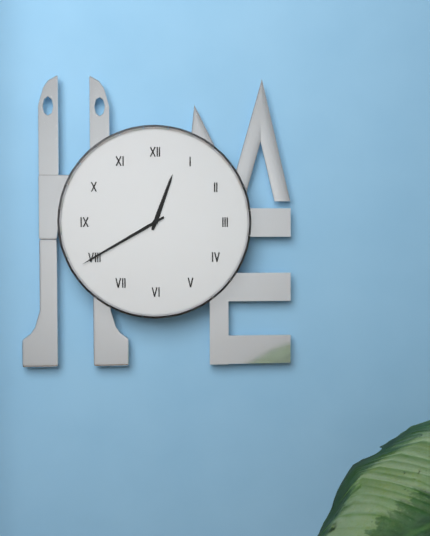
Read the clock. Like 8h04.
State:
12h40
